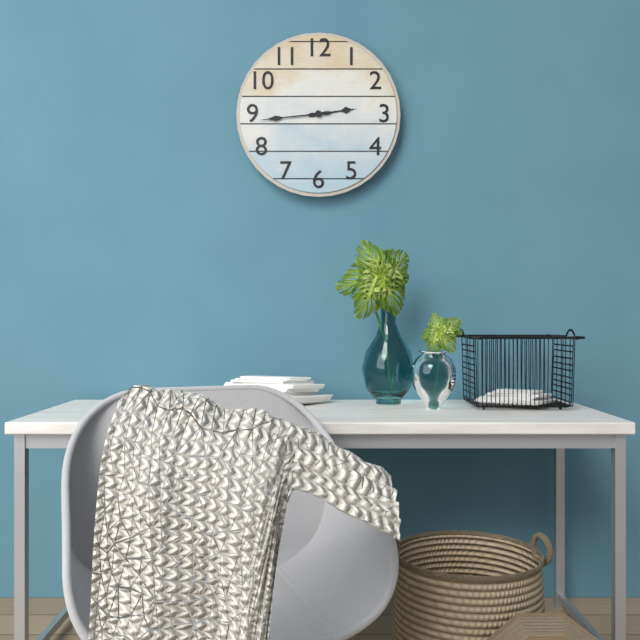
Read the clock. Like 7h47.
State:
2h44
